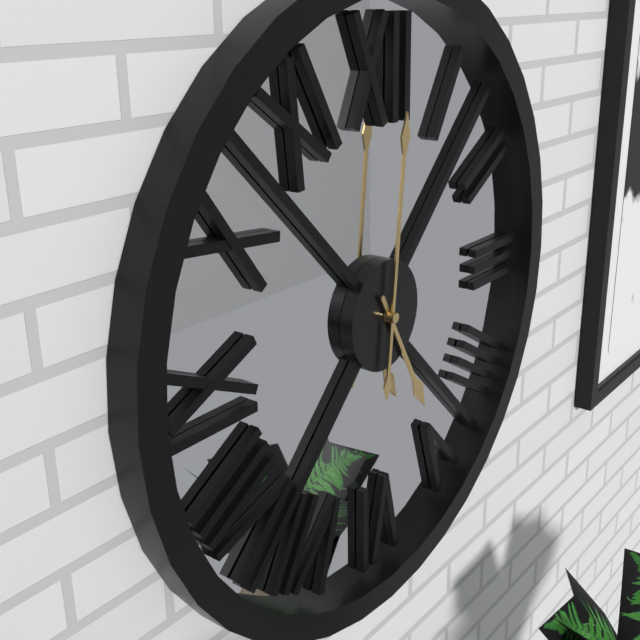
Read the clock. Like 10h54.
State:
5h01
